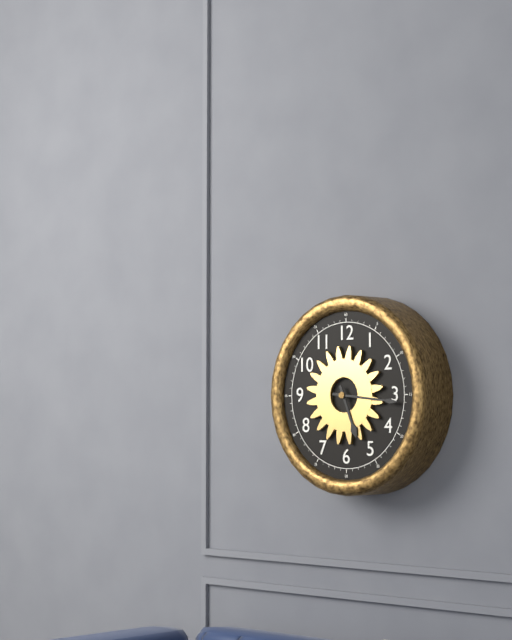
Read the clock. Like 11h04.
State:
5h16
